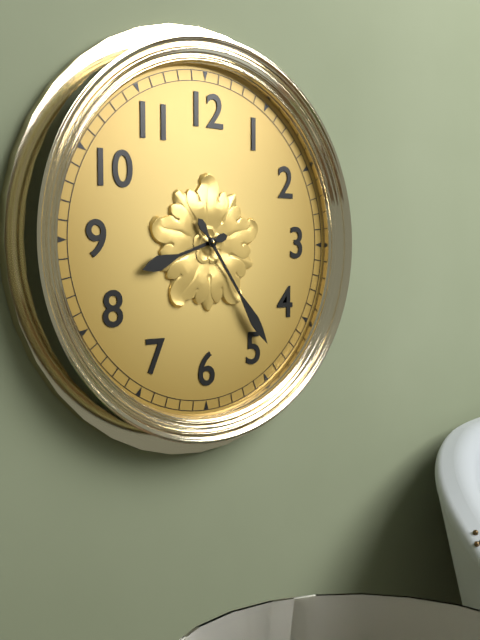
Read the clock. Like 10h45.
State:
8h24
